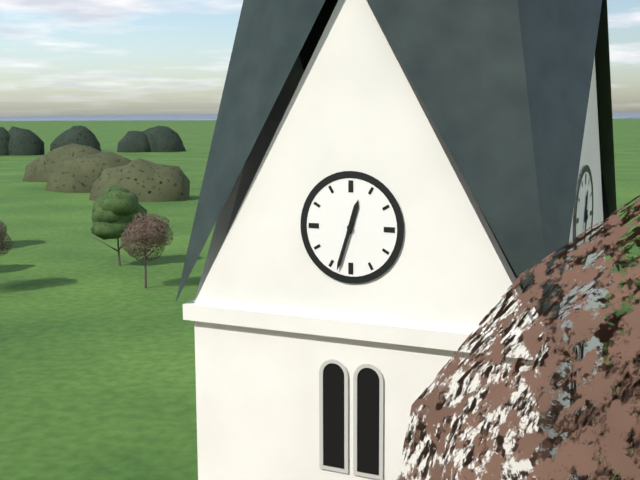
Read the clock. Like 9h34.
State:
12h33
